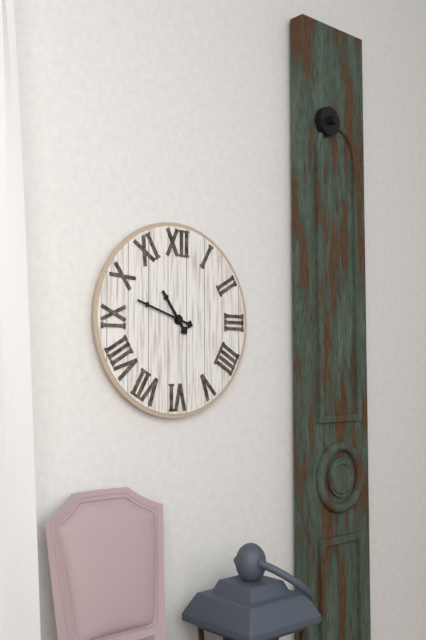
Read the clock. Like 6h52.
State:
10h48
